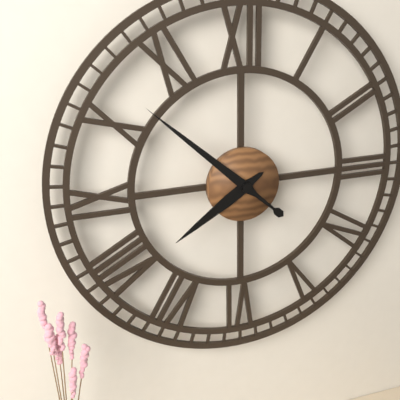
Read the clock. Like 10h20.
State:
7h52
